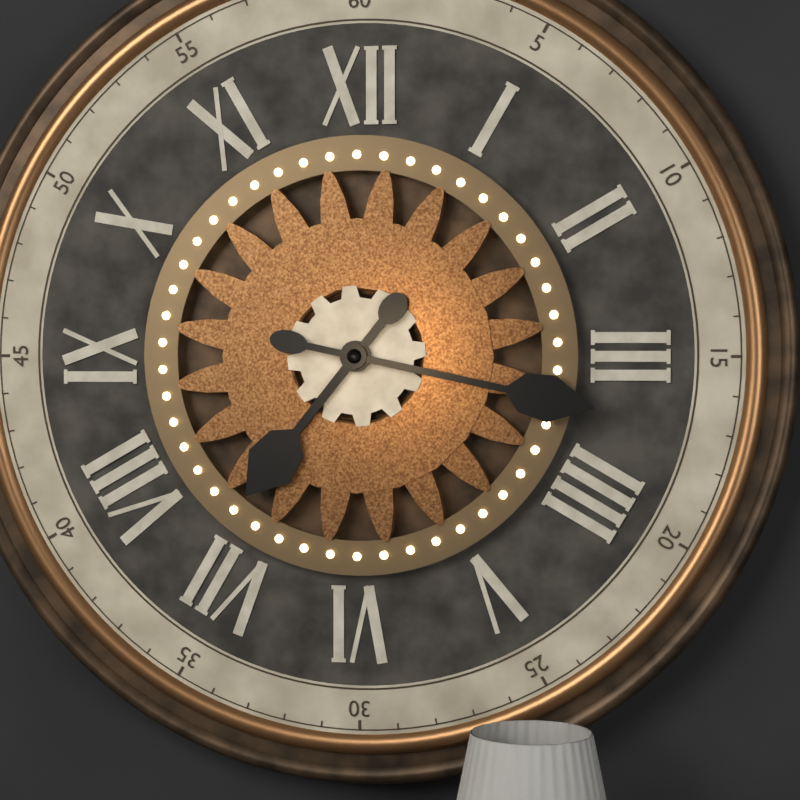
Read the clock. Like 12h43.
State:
7h17
